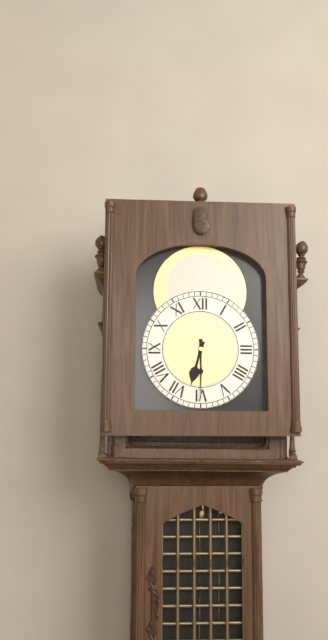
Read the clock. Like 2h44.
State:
6h30
